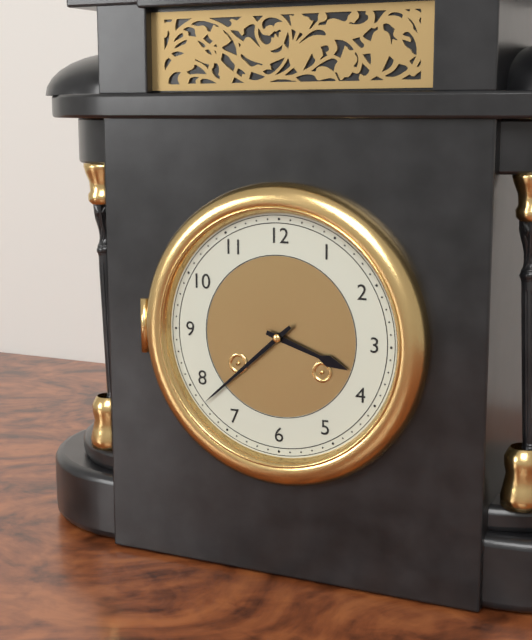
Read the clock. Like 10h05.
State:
3h38
